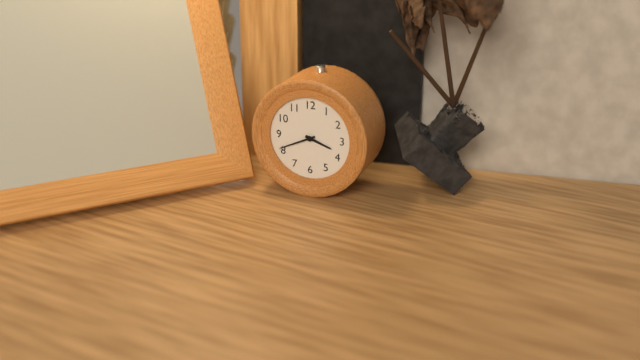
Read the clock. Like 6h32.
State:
3h41
